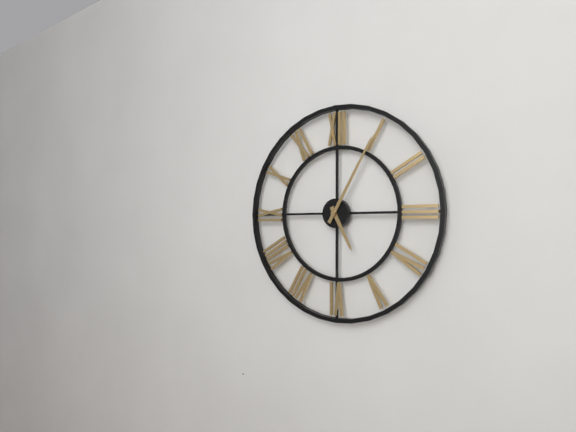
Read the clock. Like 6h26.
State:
5h05
